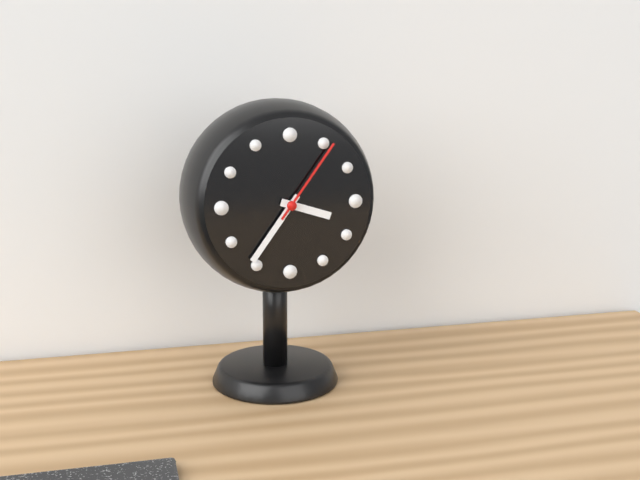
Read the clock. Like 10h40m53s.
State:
3h36m06s
